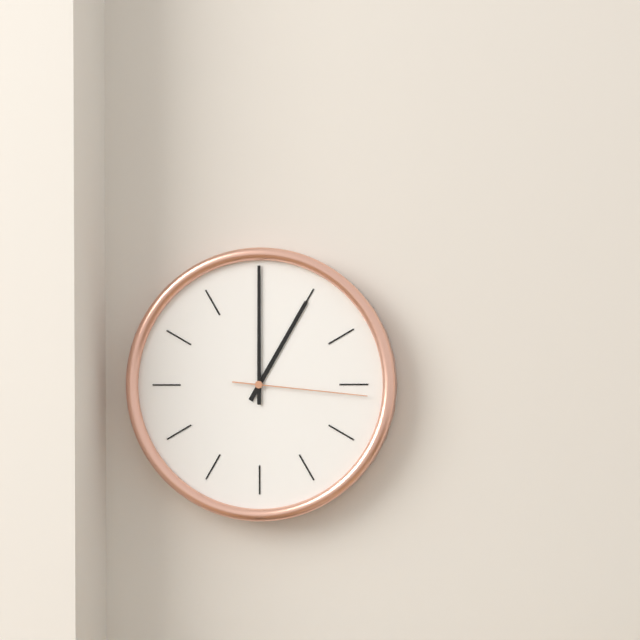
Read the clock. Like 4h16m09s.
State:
1h00m16s
